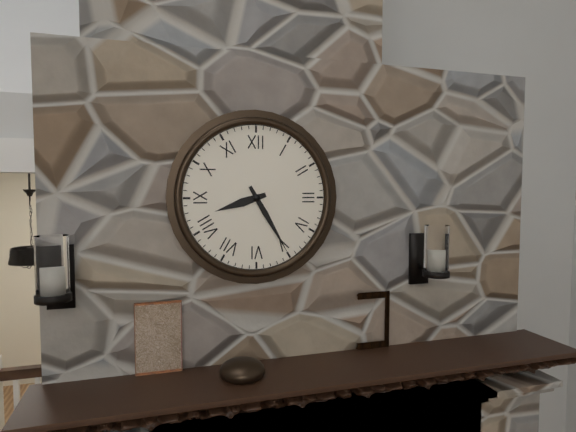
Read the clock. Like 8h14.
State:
8h25
